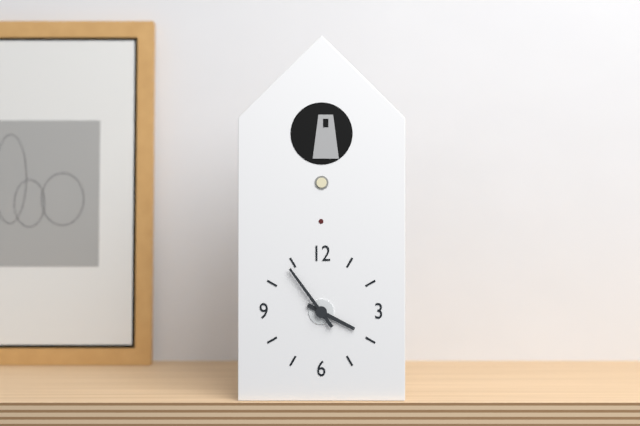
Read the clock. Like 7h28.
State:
3h54
